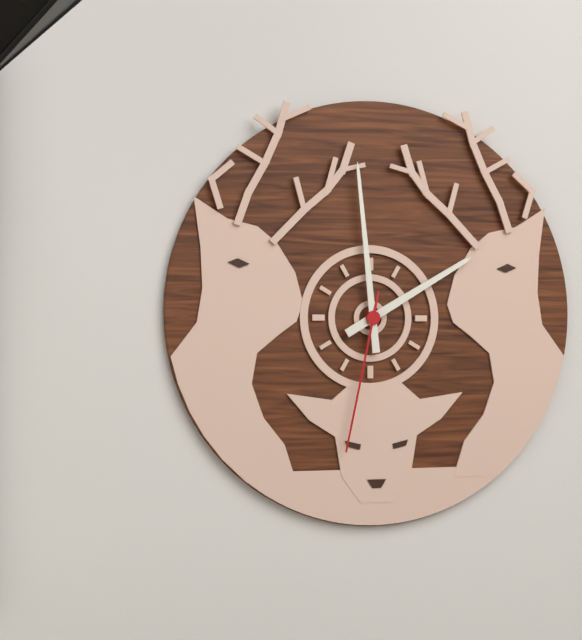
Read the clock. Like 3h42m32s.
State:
1h59m32s
